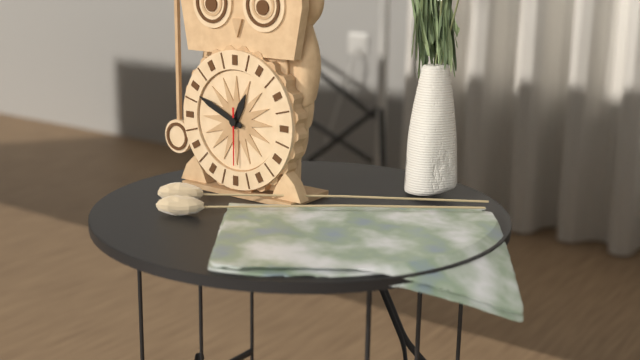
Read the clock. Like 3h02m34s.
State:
12h49m30s
